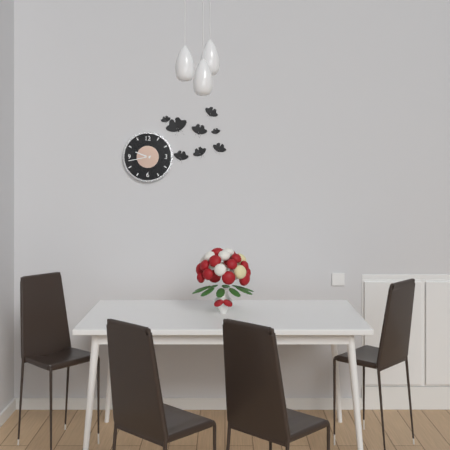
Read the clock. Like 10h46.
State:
9h43
